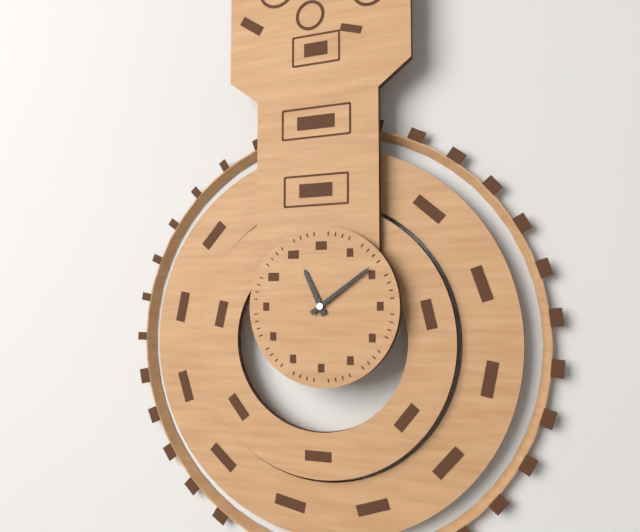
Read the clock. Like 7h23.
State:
11h09
